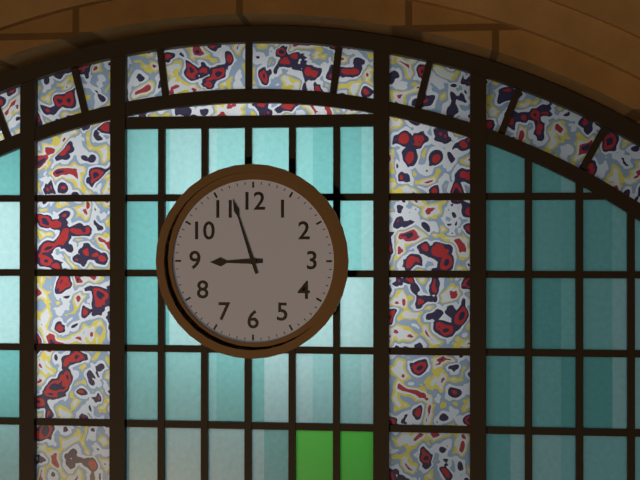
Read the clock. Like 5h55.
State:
8h57
